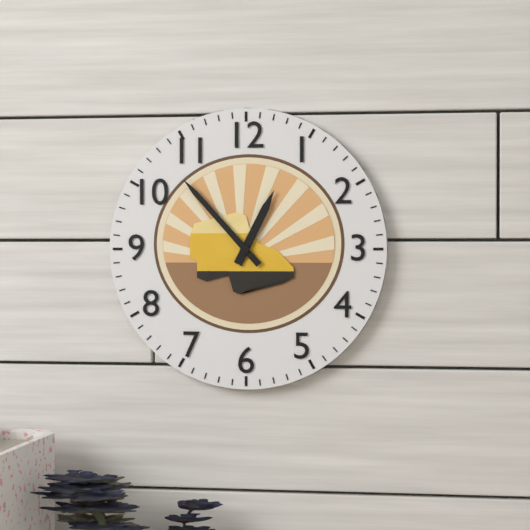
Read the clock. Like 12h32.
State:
12h53
